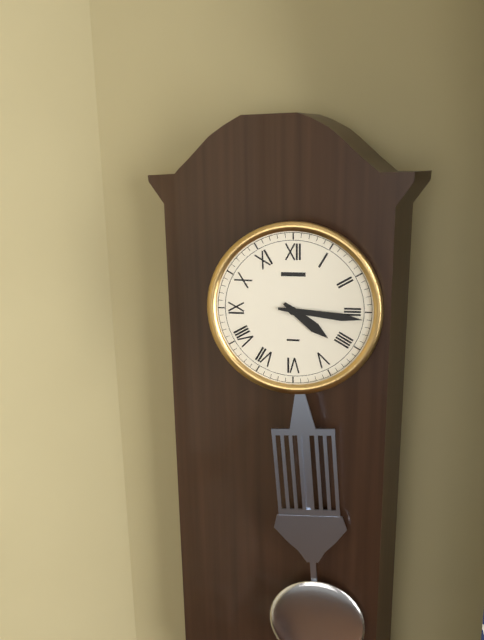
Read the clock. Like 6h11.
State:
4h16
